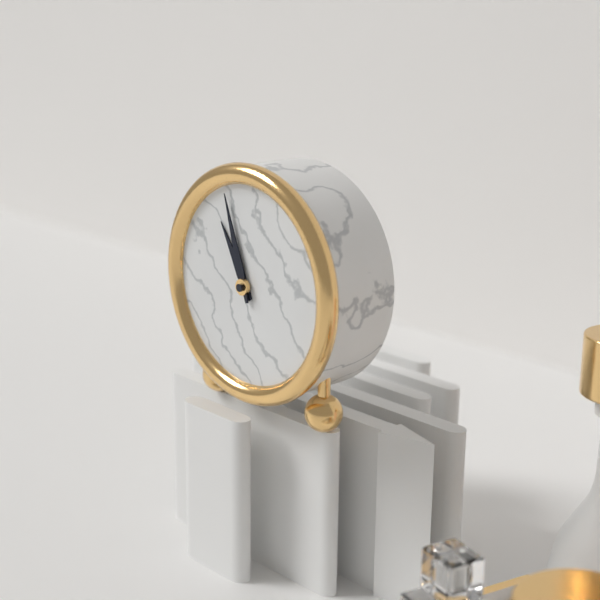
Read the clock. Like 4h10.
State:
10h57
